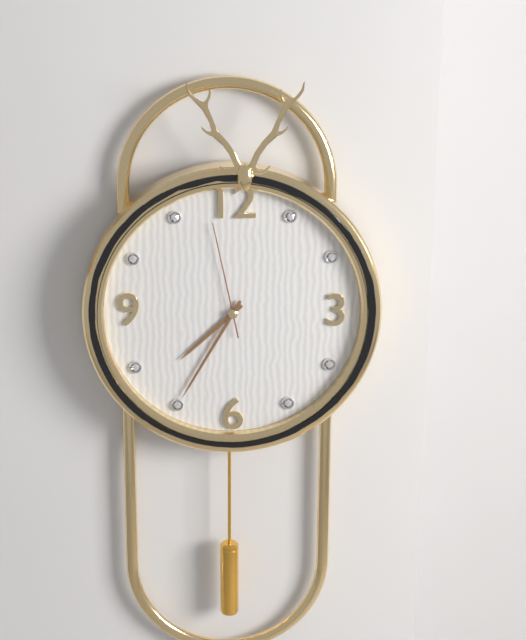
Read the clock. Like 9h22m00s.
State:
7h35m58s
